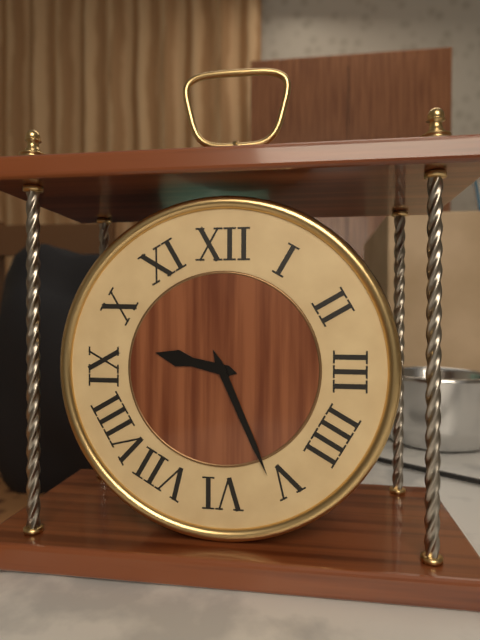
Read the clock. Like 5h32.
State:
9h26
